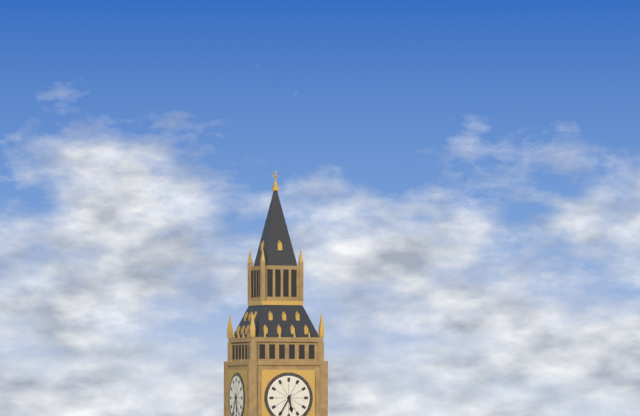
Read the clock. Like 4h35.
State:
5h35
